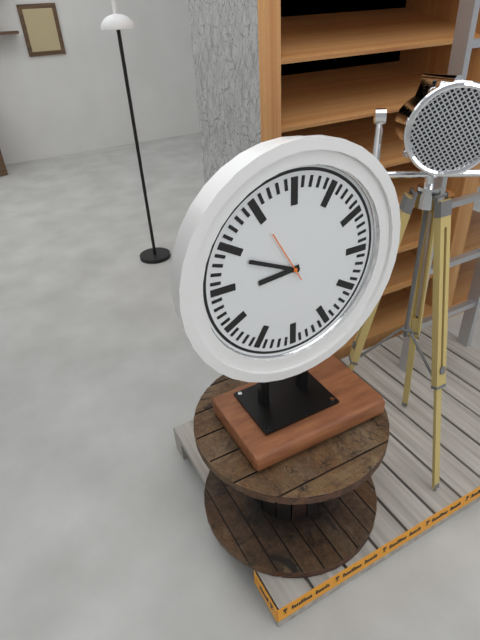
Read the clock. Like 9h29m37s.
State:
8h49m55s
